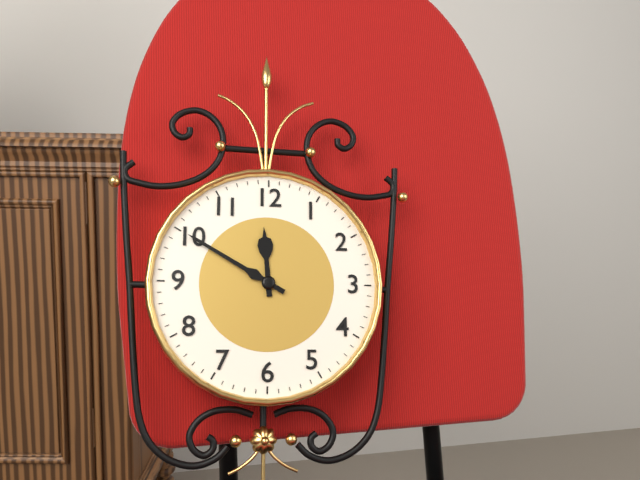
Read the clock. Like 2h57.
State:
11h50
